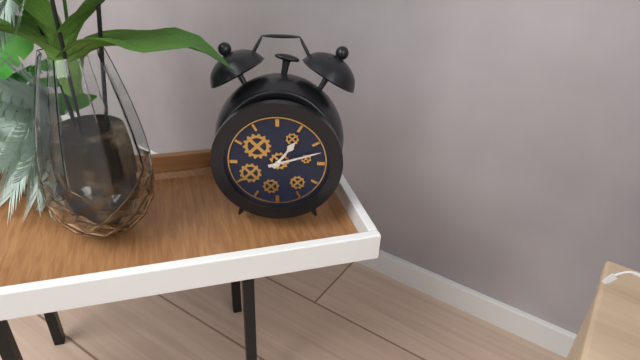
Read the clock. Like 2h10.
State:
1h12
